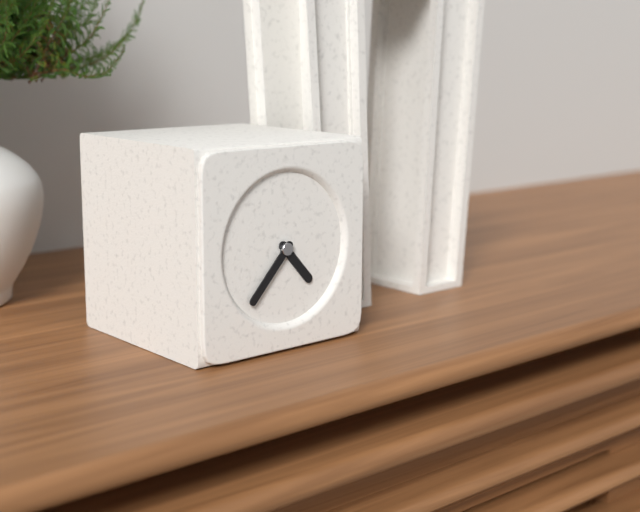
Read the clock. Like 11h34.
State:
4h37
